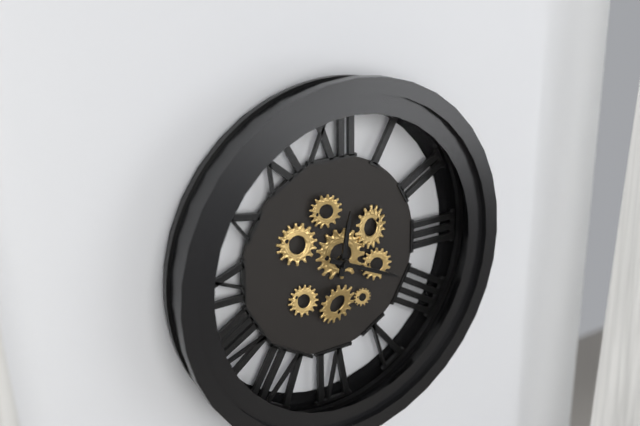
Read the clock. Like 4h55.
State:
12h19
